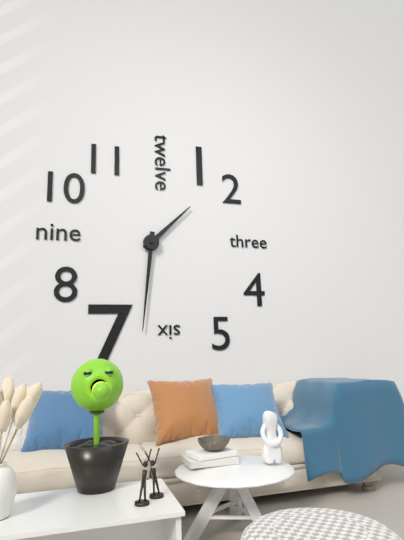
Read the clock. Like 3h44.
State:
1h31
